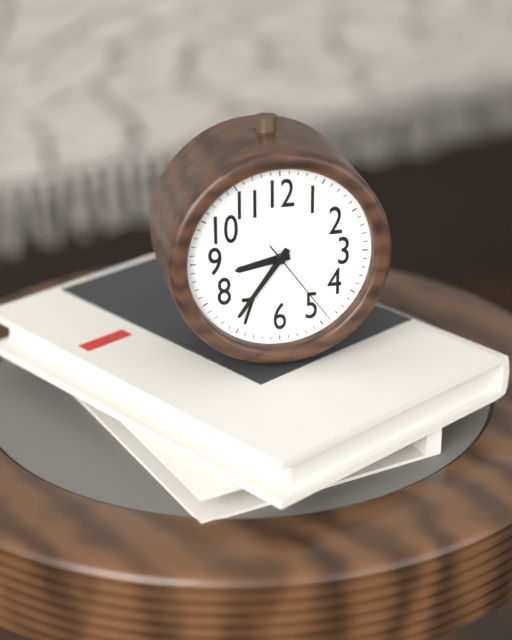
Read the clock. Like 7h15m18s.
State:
8h36m24s
